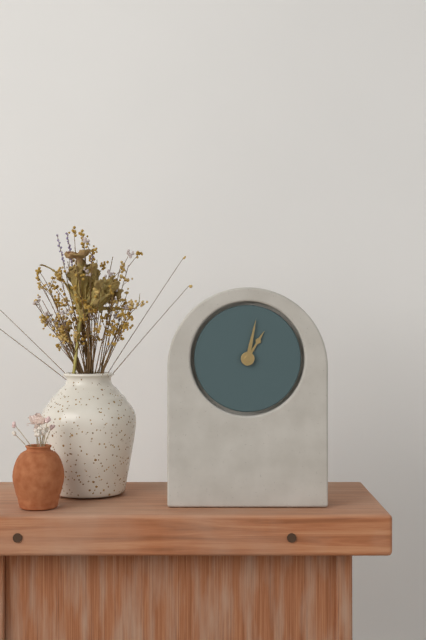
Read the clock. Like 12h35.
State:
1h02
